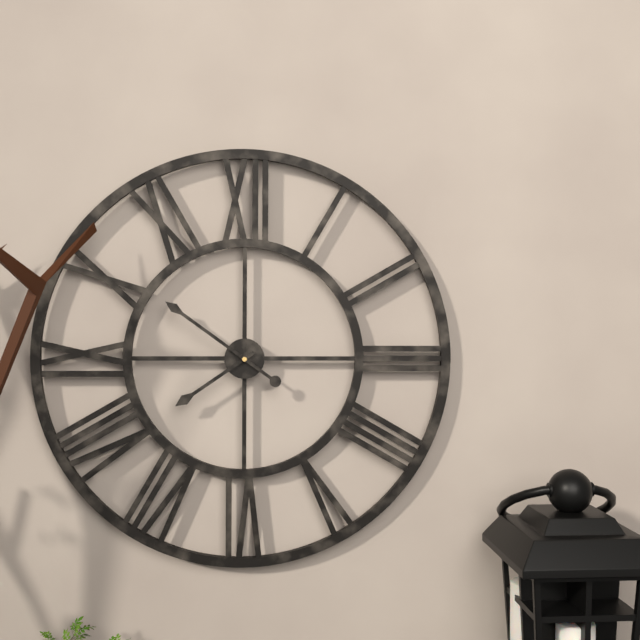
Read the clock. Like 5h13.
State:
7h51
